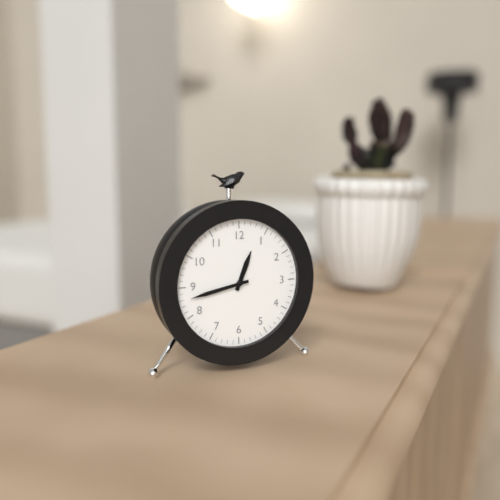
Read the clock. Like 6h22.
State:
12h43
